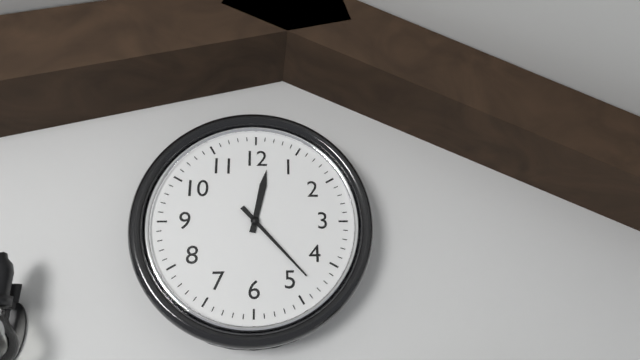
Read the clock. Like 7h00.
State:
12h23
